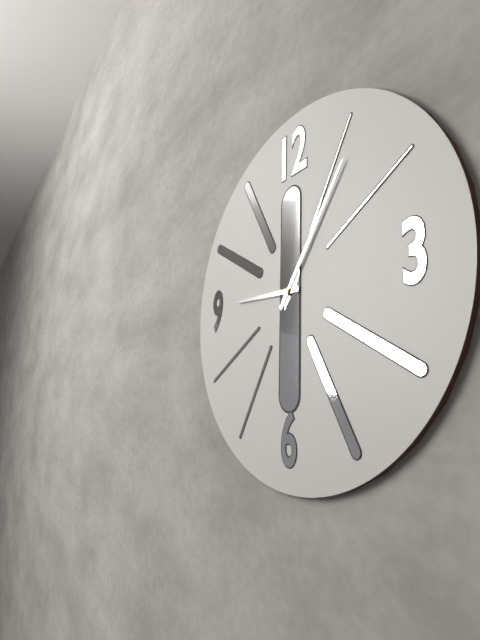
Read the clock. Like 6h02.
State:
9h06
